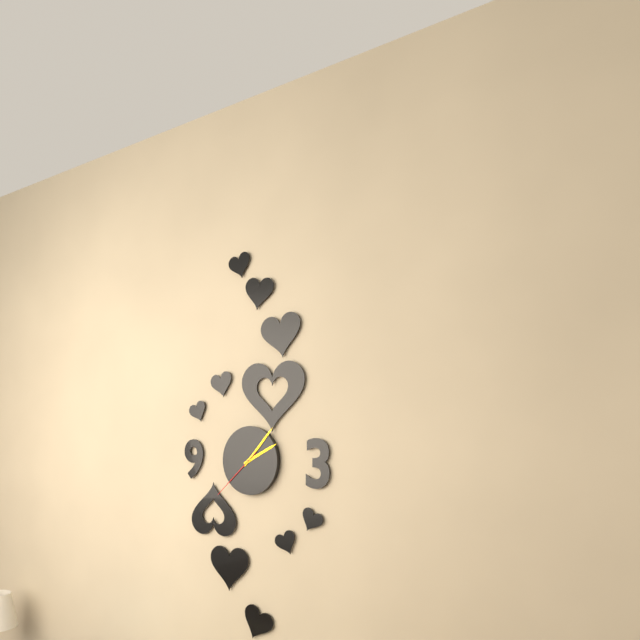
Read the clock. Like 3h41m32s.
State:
2h07m38s
